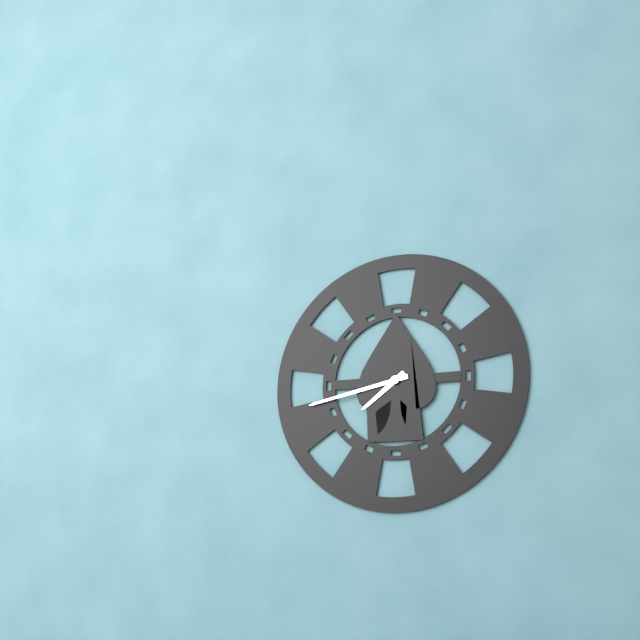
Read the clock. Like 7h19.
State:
7h43
